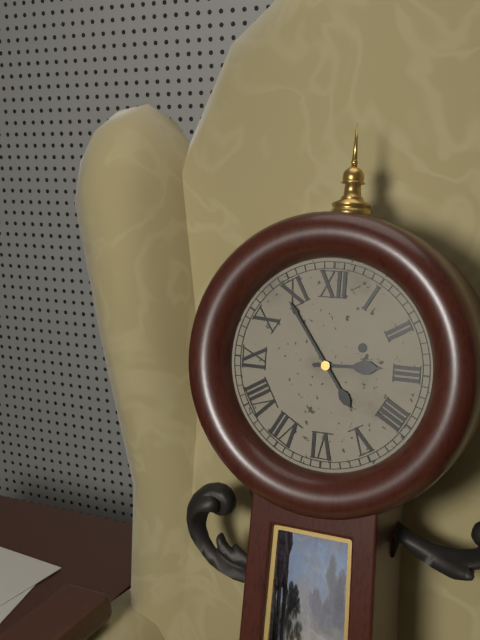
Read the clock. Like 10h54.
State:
2h54
